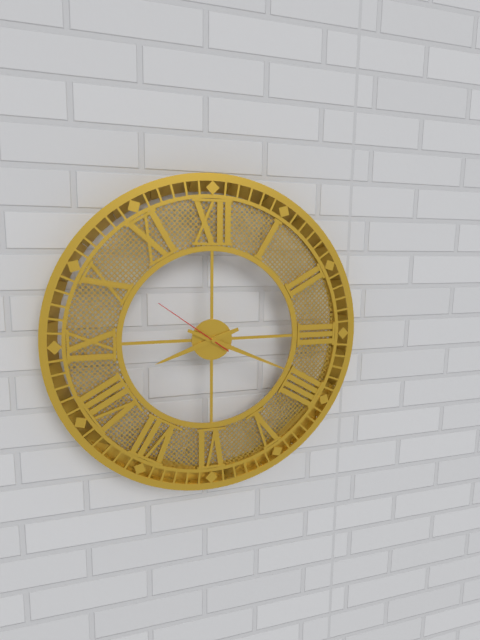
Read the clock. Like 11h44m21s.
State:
8h19m51s
